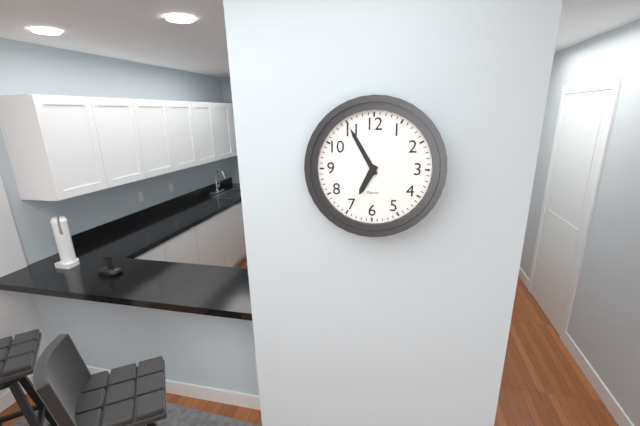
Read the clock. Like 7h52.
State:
6h55
